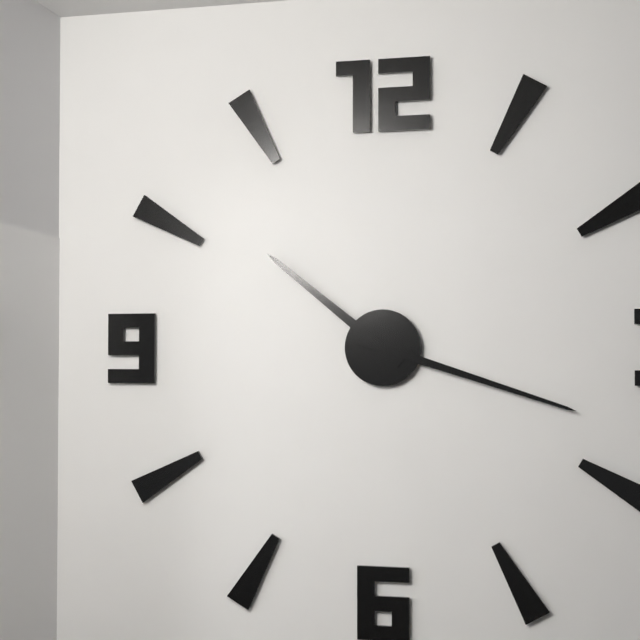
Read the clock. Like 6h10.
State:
10h18
